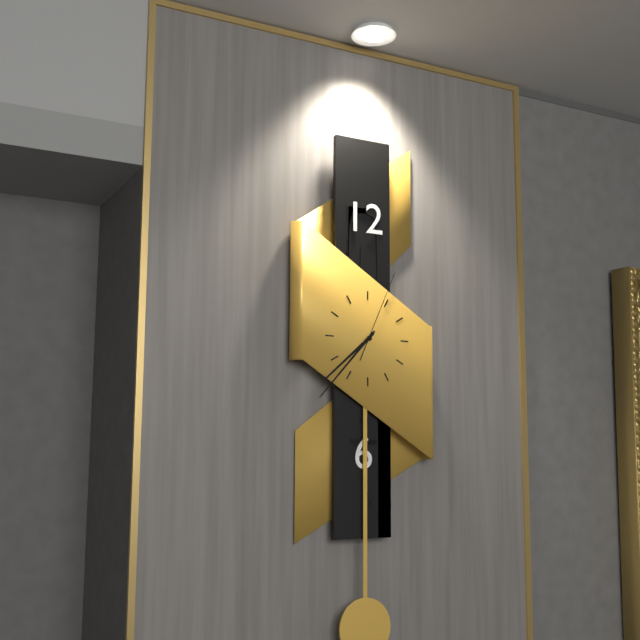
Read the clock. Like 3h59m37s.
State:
7h37m04s
